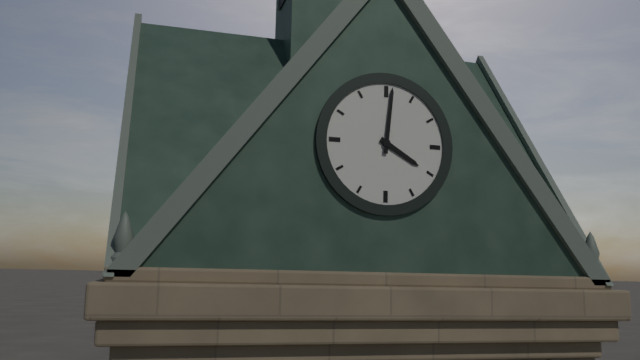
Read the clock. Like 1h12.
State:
4h01
